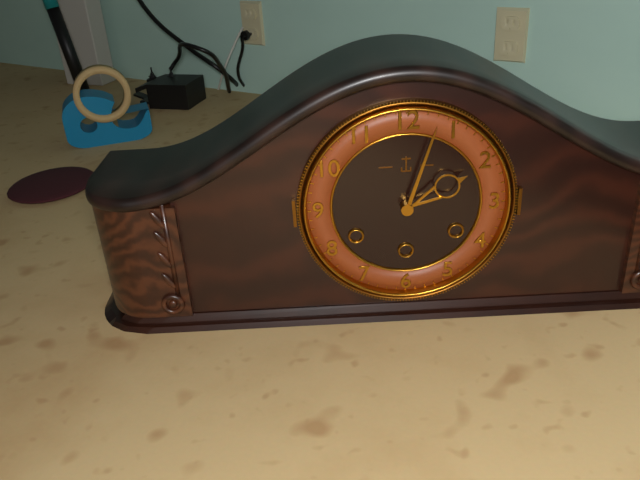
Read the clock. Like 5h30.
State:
2h03
